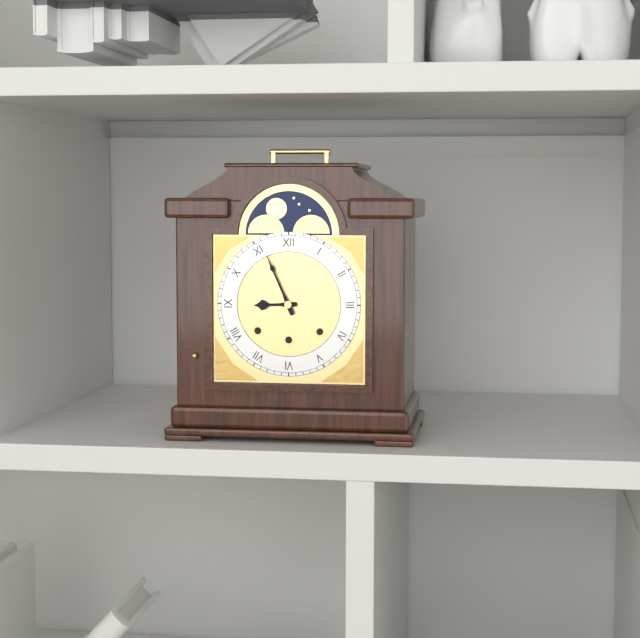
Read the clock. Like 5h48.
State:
8h56
